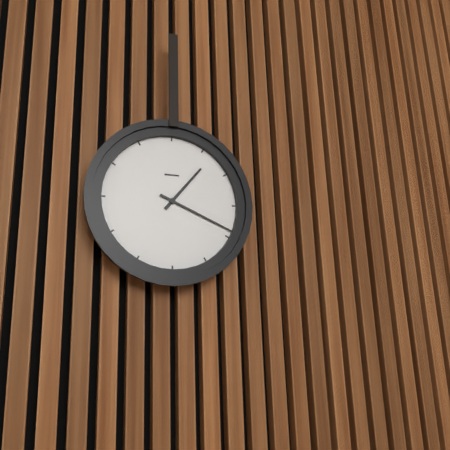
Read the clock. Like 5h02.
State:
1h19
